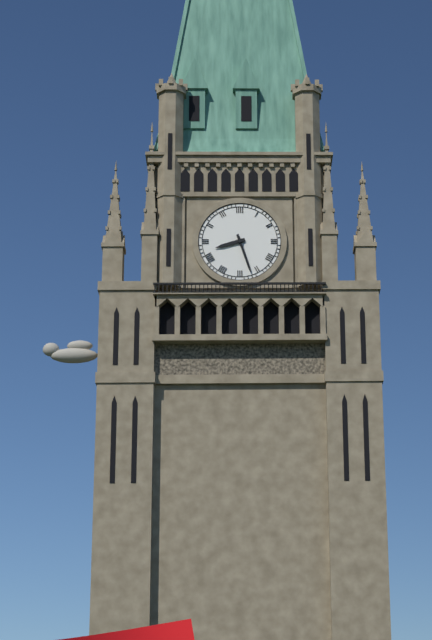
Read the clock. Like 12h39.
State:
8h27
